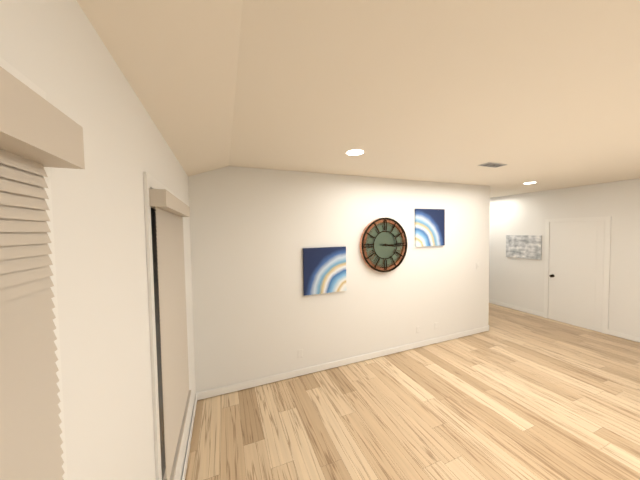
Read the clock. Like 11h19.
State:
3h15
